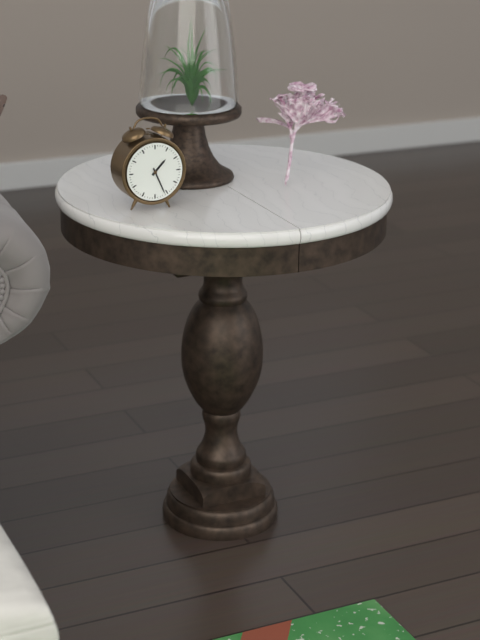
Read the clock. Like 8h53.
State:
1h26
